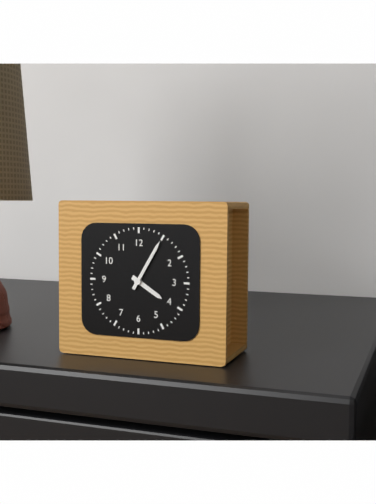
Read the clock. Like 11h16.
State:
4h05
